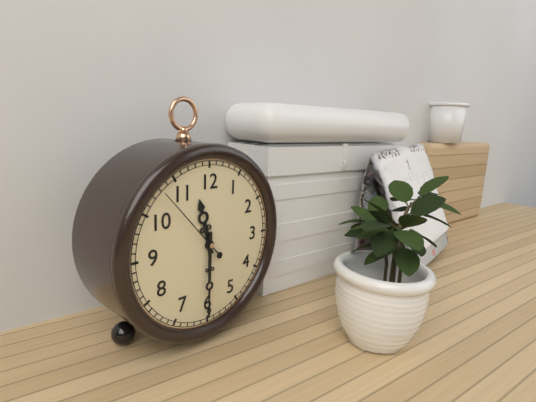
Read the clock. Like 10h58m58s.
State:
11h30m53s
